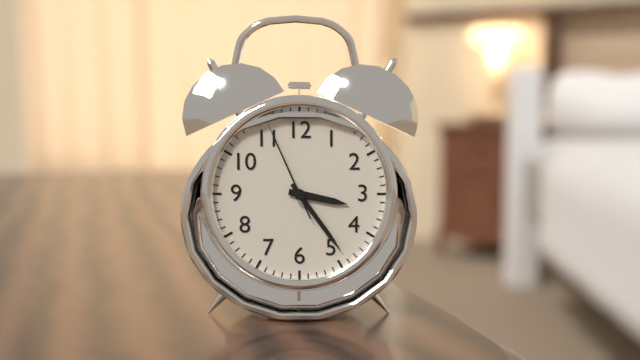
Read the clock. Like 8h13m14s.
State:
3h24m56s
